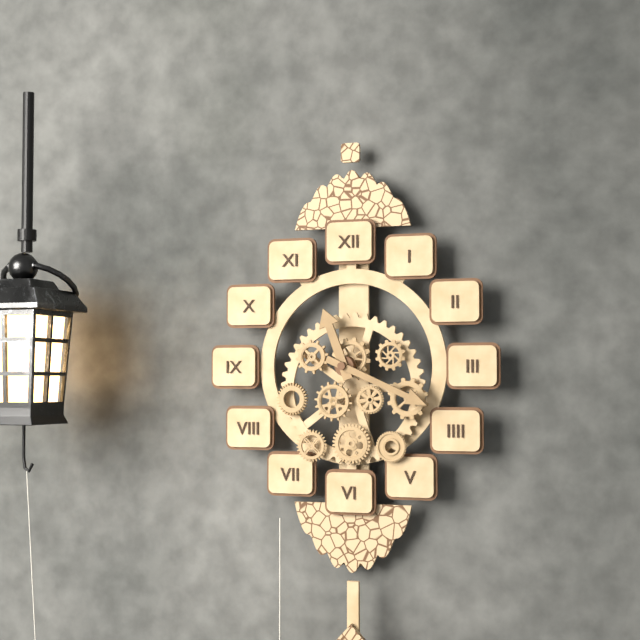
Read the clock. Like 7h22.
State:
11h19
